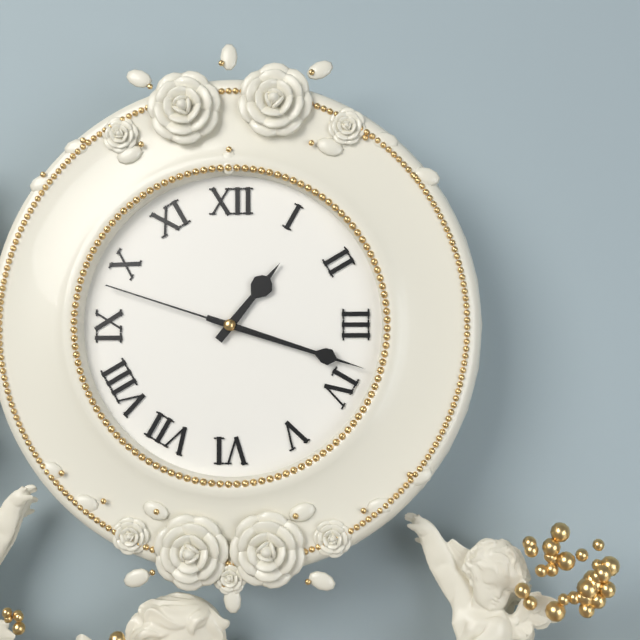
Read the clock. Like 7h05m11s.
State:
1h18m48s
